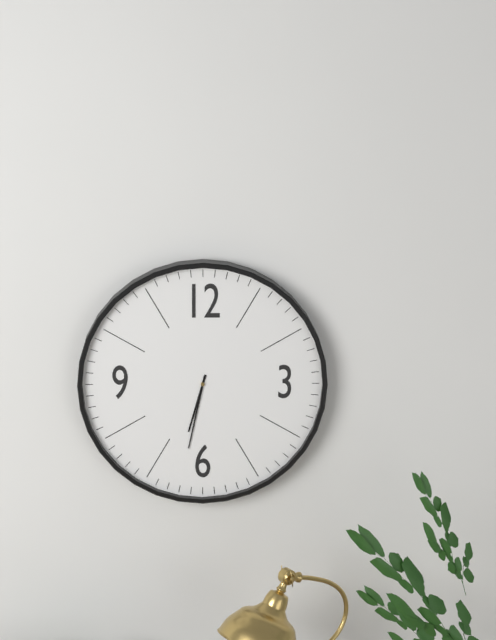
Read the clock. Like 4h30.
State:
6h32
